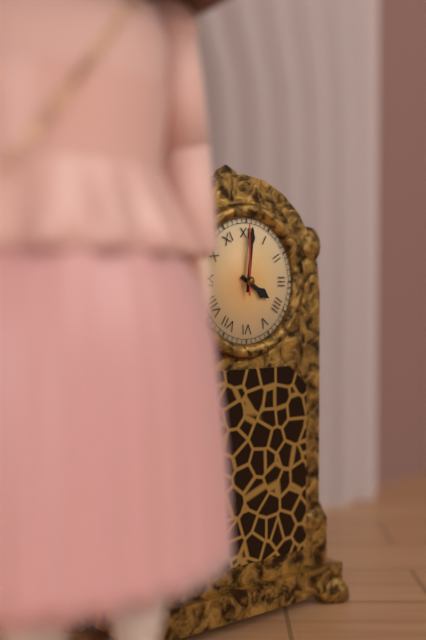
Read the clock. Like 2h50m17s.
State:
4h01m00s
